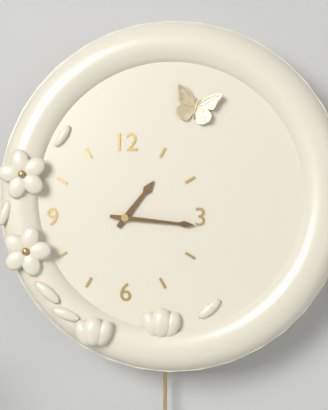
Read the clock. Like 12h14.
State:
1h16
